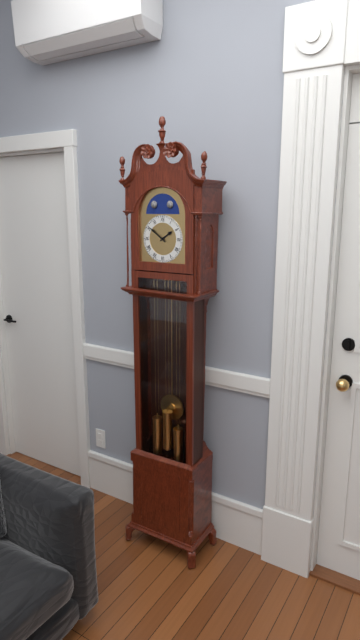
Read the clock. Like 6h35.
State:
1h51
